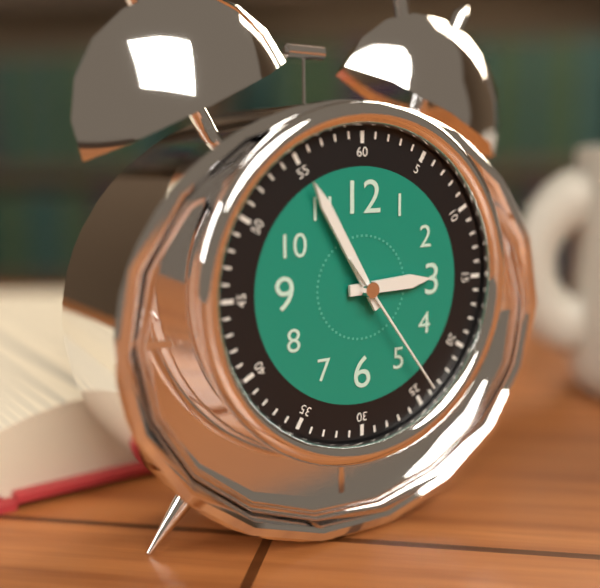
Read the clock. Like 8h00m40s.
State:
2h55m24s
